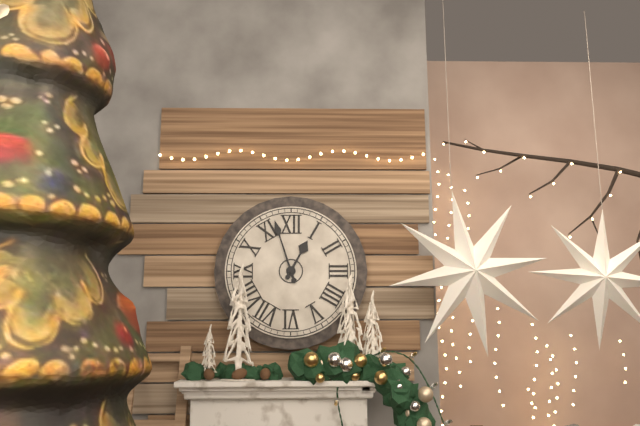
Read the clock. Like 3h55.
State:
12h57
